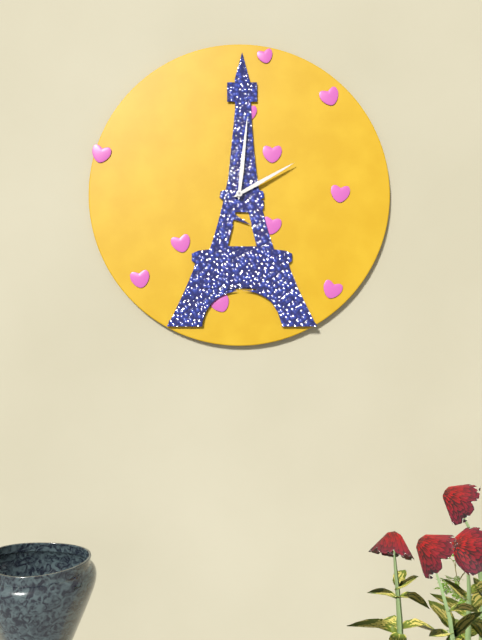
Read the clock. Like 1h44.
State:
2h01
